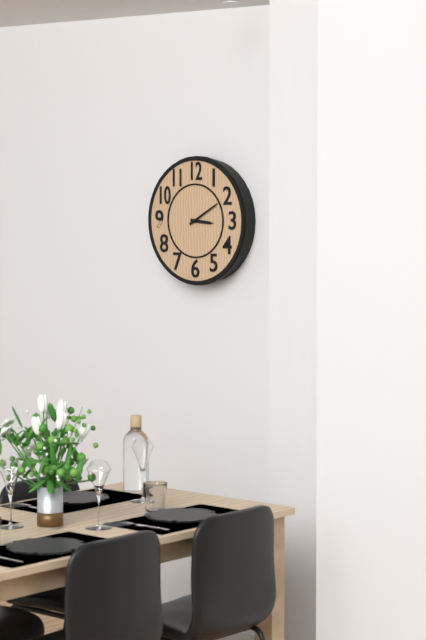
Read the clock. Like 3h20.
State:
3h10
